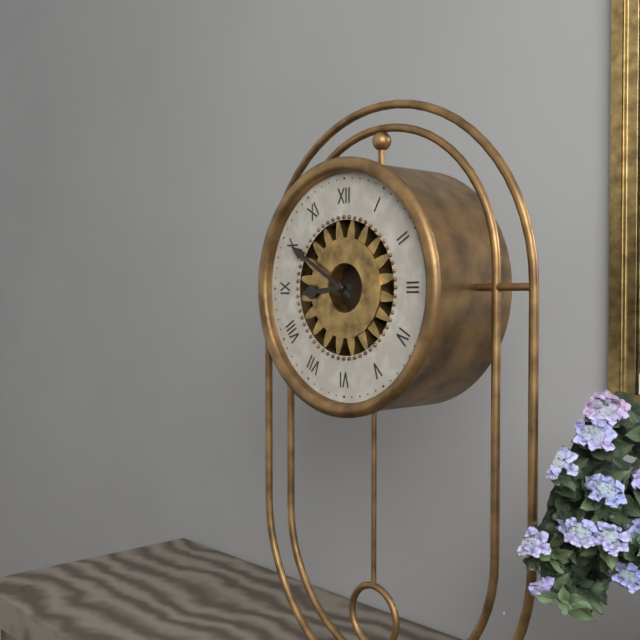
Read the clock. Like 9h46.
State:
8h50
